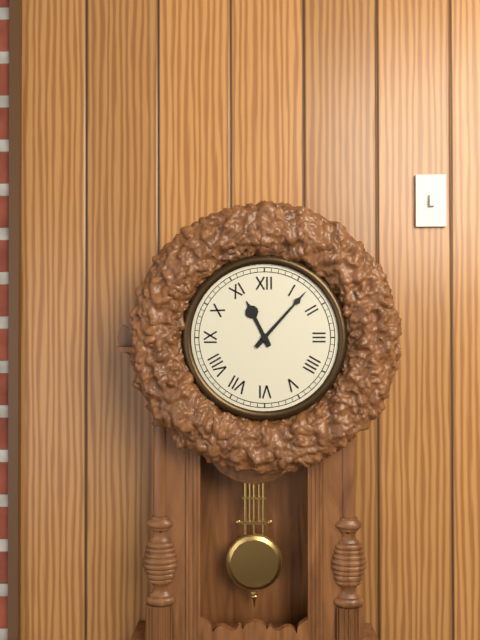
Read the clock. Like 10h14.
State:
11h07
